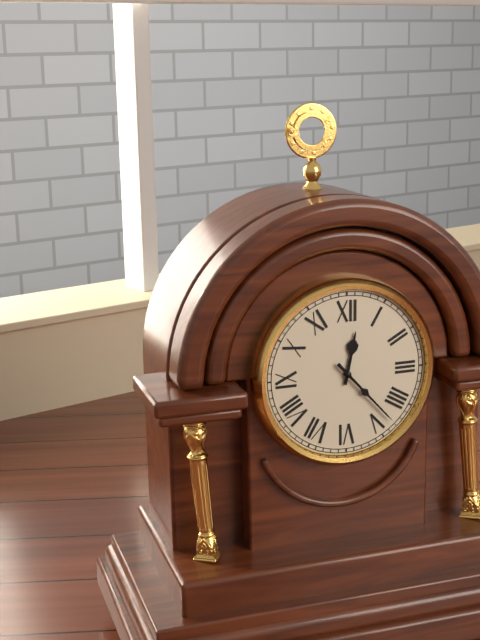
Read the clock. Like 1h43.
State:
12h23
